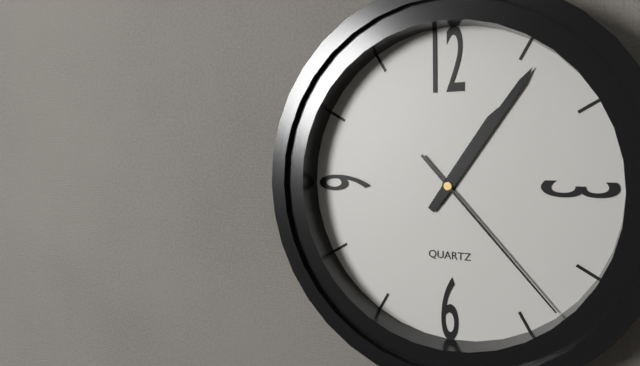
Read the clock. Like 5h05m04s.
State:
1h06m23s
